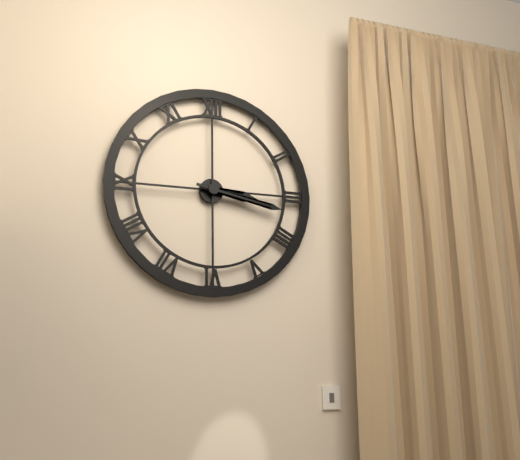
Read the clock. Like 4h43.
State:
3h17
